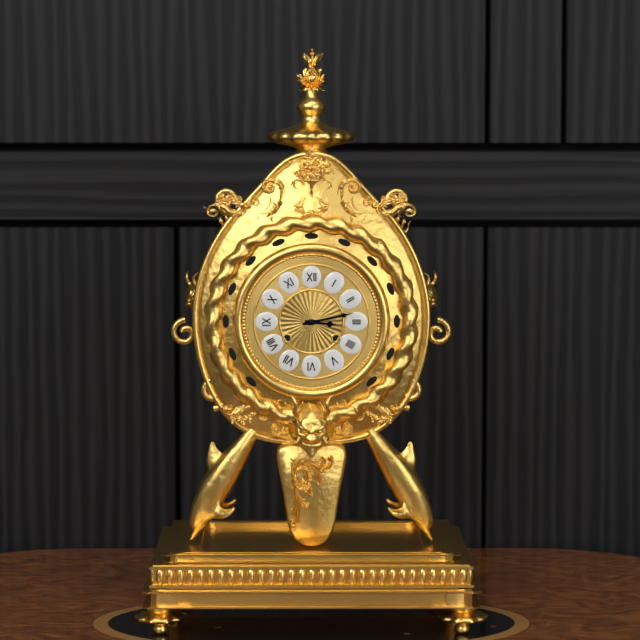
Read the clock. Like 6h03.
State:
3h13
